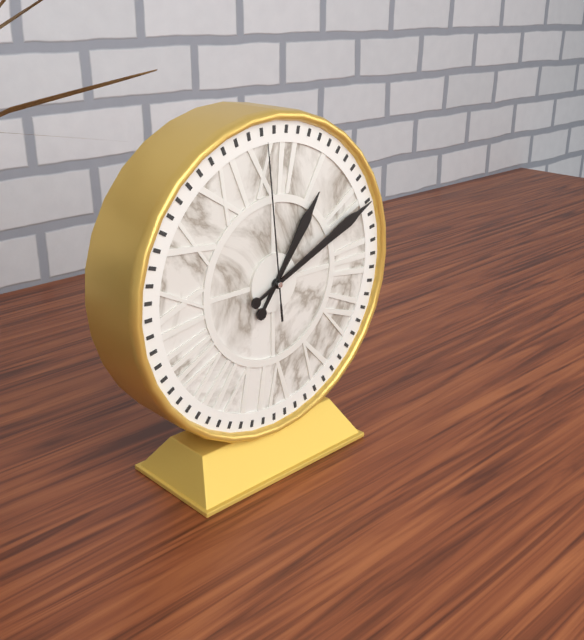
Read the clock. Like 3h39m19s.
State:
1h11m59s
